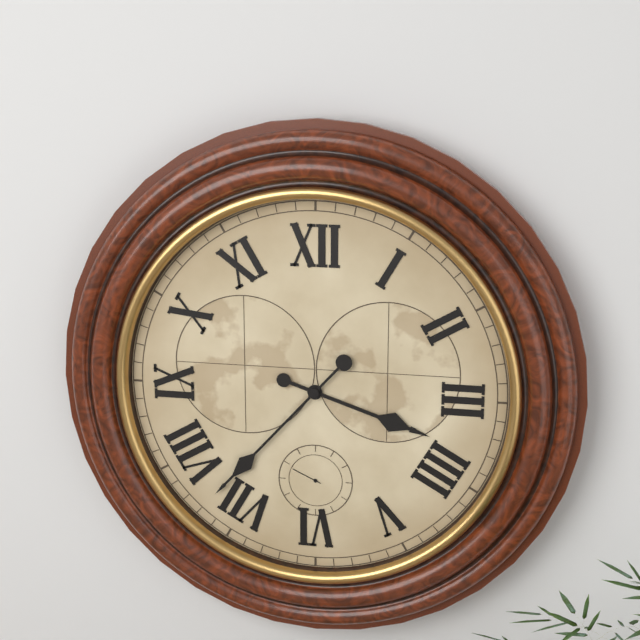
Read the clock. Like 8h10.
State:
3h37
